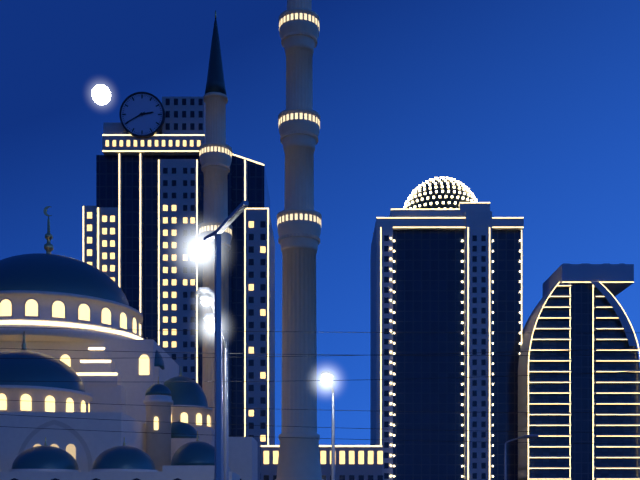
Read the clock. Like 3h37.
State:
2h40
